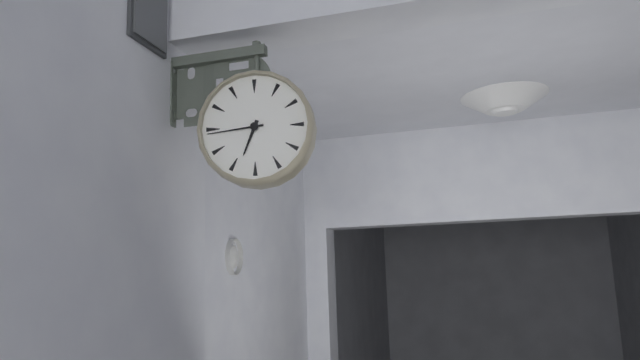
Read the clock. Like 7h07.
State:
6h44
